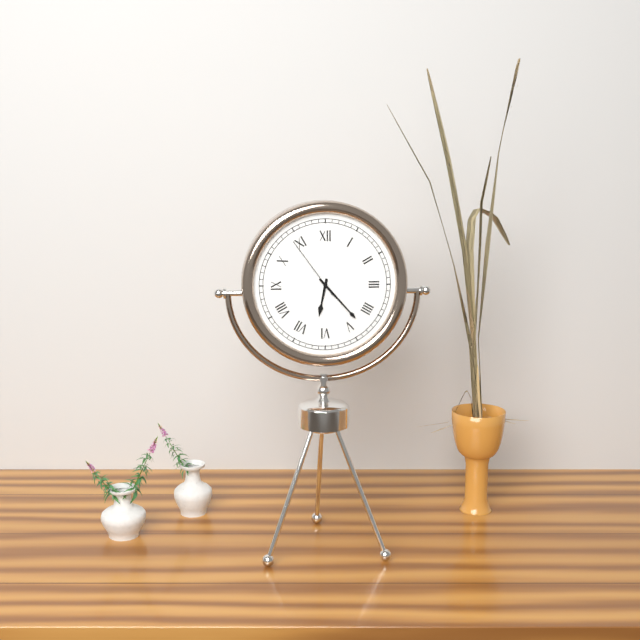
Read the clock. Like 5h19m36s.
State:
6h23m54s
